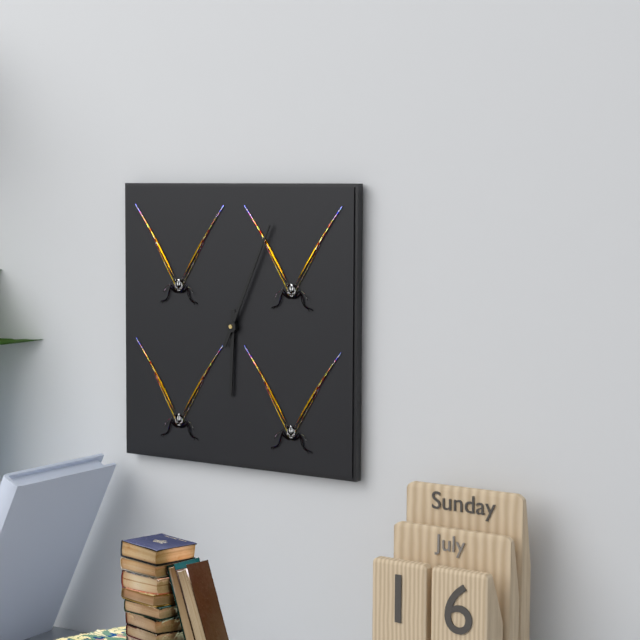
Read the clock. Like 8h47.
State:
6h04
